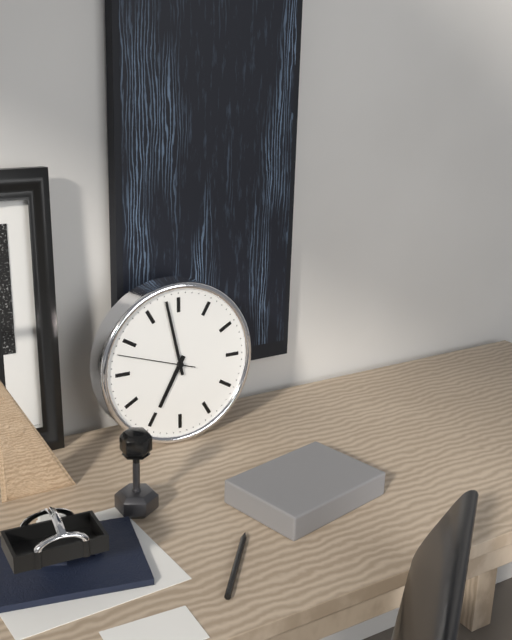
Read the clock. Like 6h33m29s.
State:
6h58m48s
